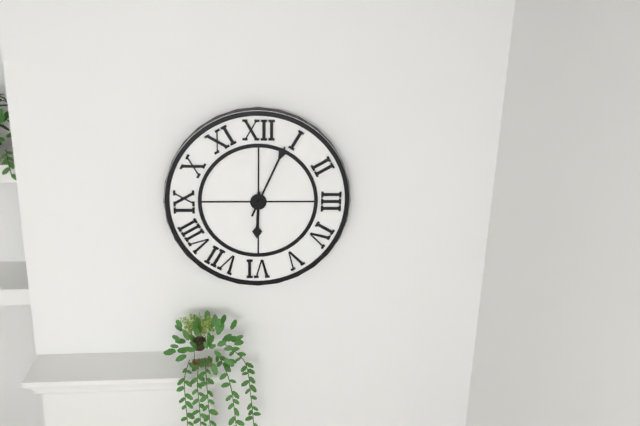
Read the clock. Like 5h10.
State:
6h04
